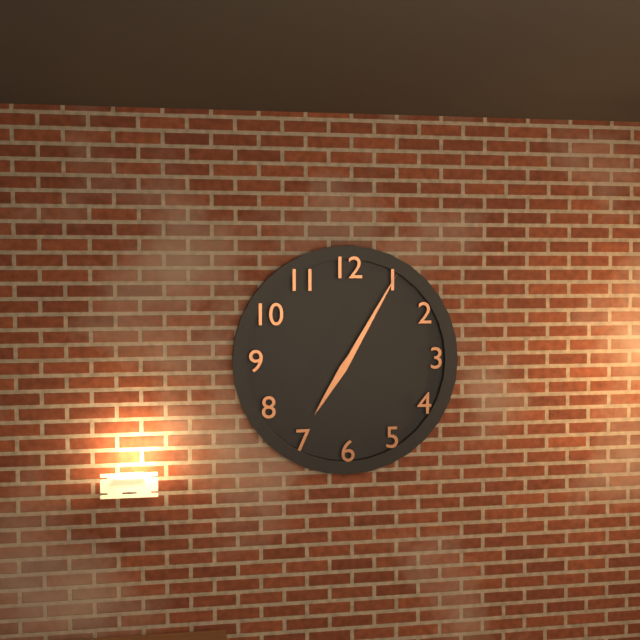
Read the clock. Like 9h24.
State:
7h05
